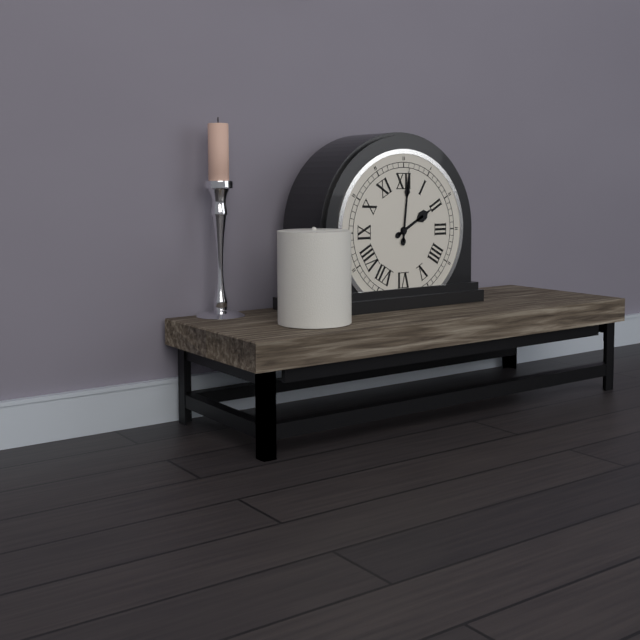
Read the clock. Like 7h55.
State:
2h01
